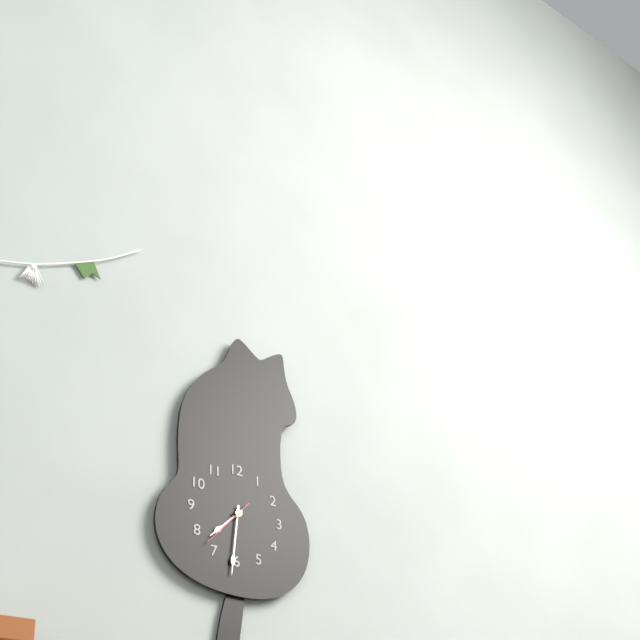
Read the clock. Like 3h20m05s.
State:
7h31m37s
